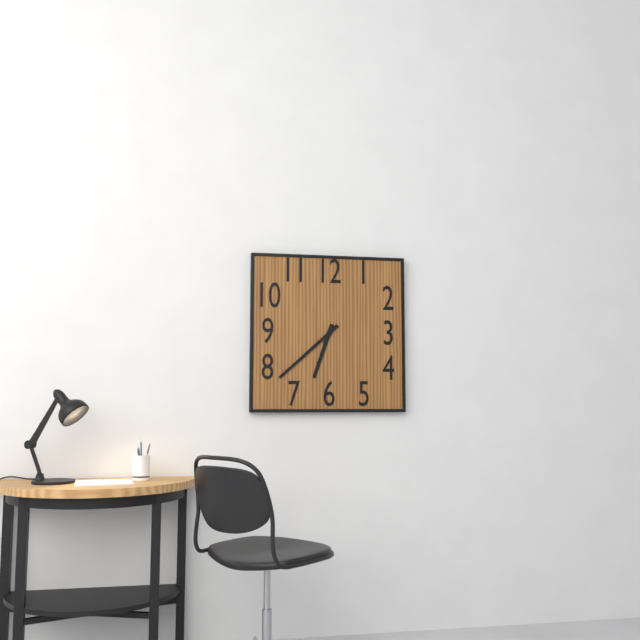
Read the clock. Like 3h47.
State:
6h38
